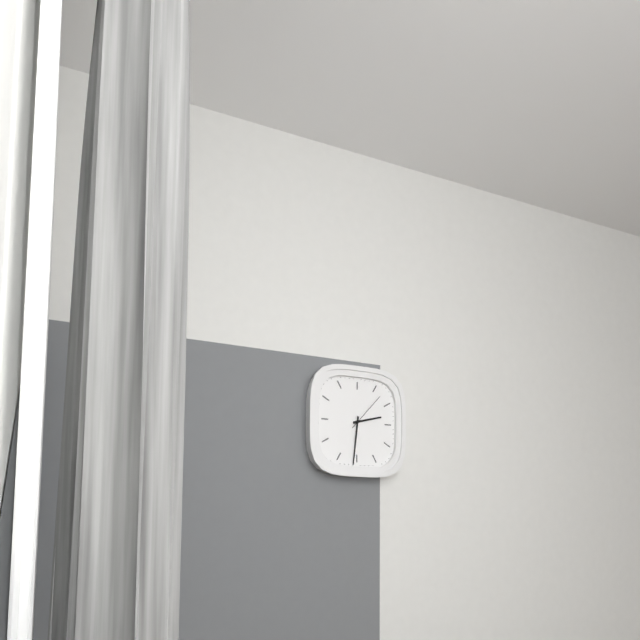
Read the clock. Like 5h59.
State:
2h31
